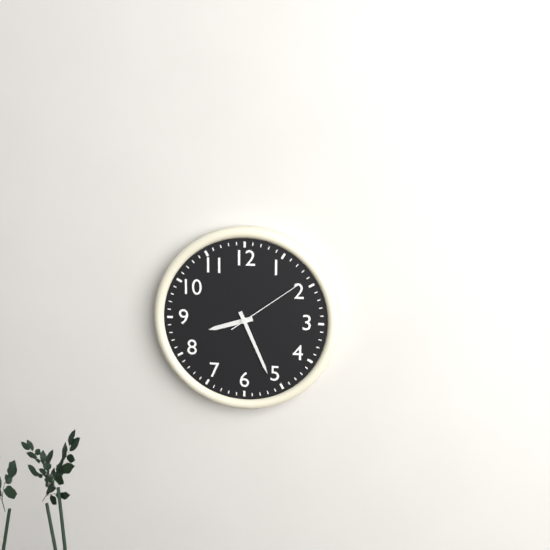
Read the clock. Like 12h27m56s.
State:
8h26m09s
